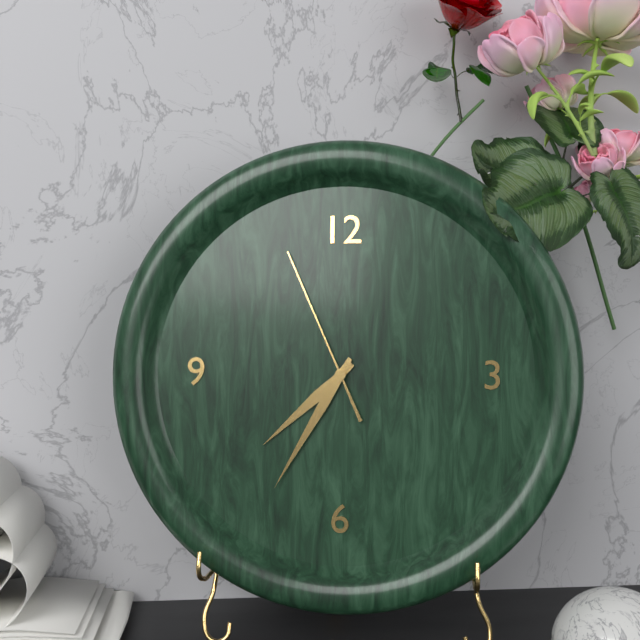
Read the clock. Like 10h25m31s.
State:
7h35m56s
